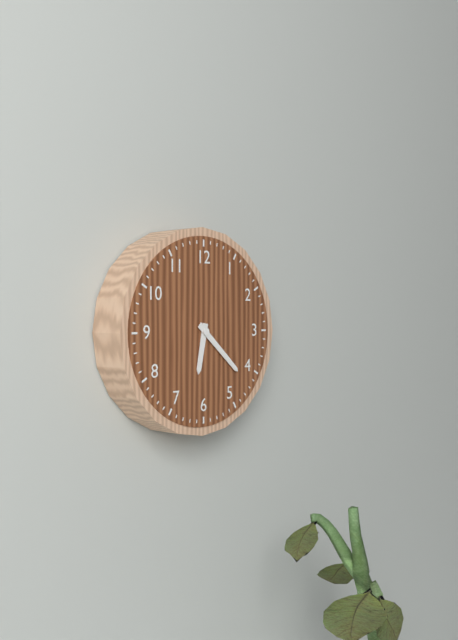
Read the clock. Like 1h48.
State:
6h22
